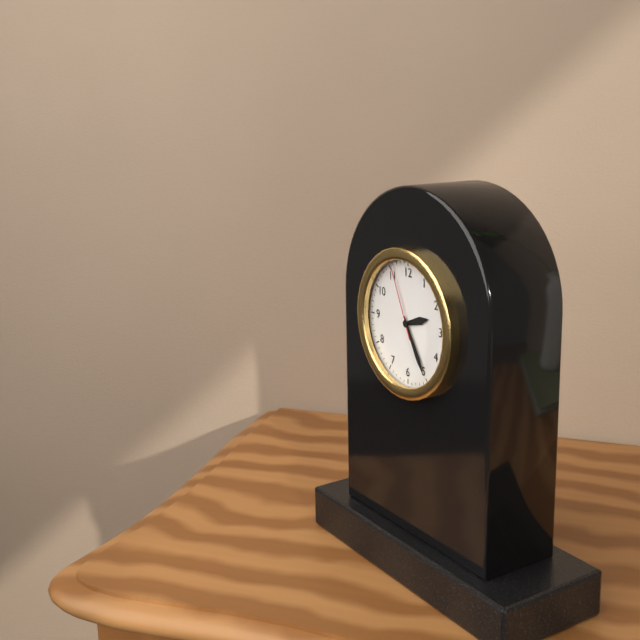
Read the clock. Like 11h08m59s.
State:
2h25m56s
